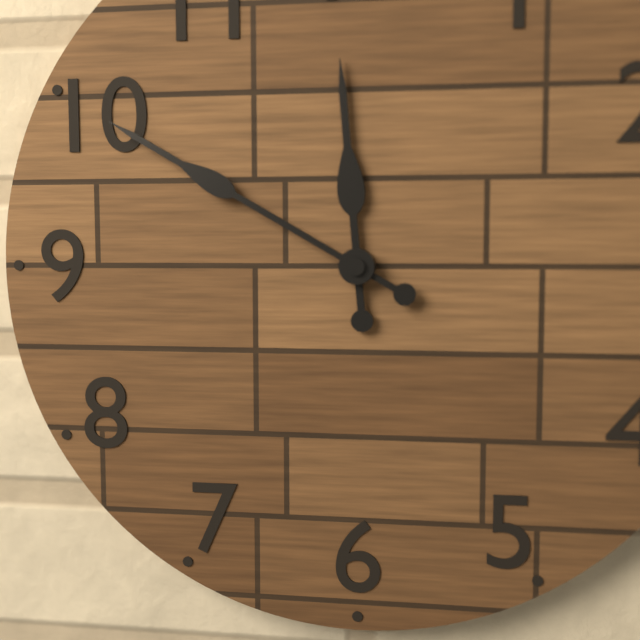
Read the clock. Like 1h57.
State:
11h50
